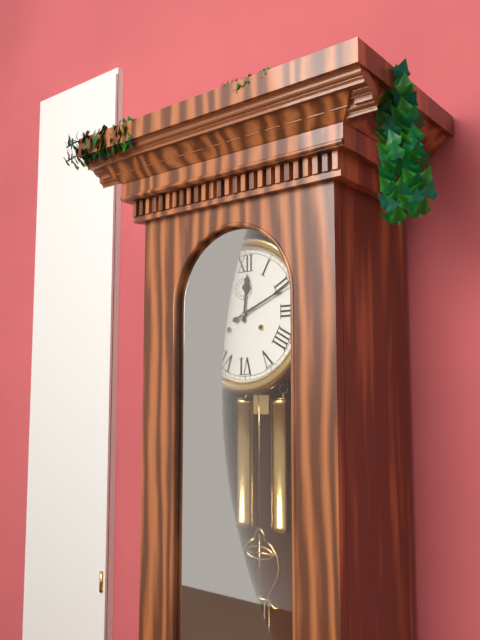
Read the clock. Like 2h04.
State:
12h11
